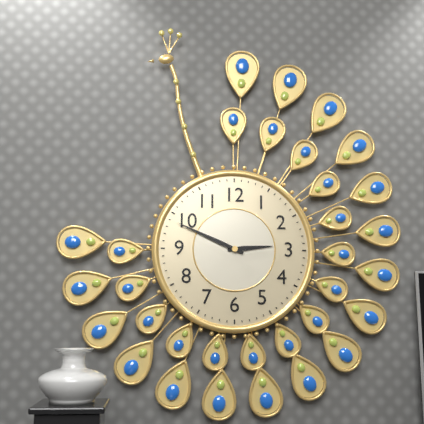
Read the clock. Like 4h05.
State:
2h49
